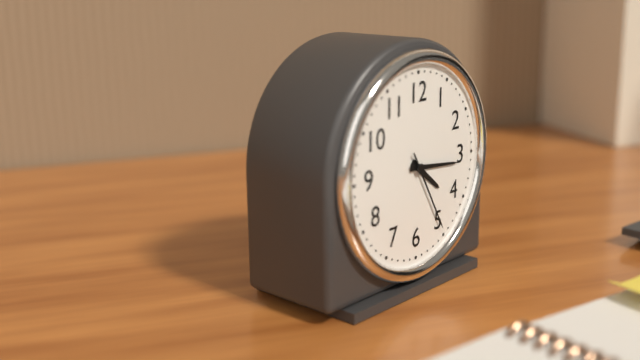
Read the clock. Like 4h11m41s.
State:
4h16m25s
